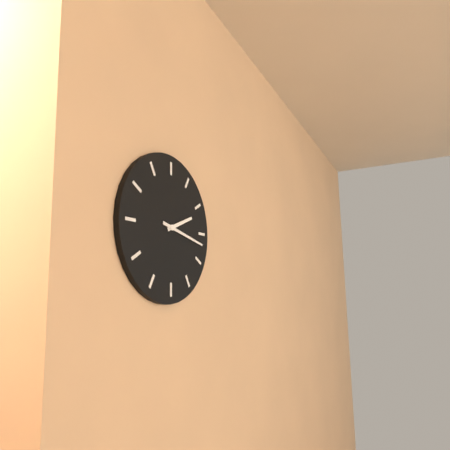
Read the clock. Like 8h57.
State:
2h17
